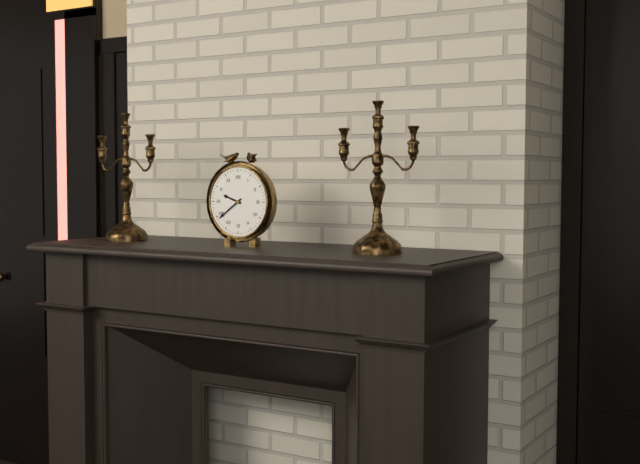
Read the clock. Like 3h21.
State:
9h39
